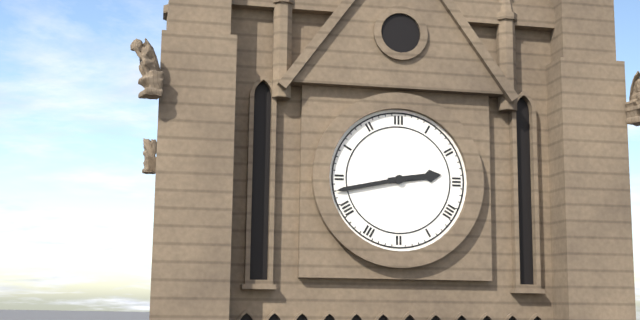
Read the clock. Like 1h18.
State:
2h43
